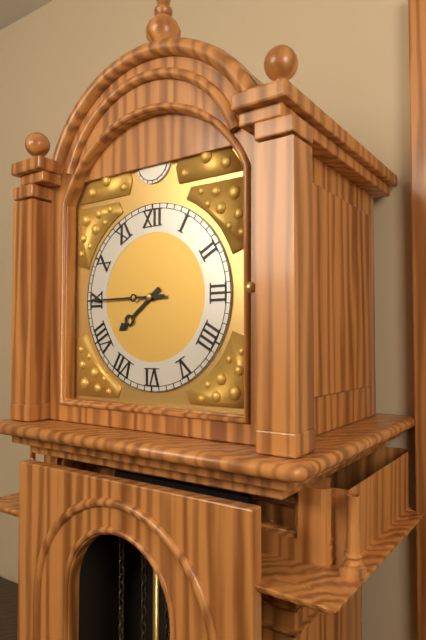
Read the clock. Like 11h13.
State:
7h45
